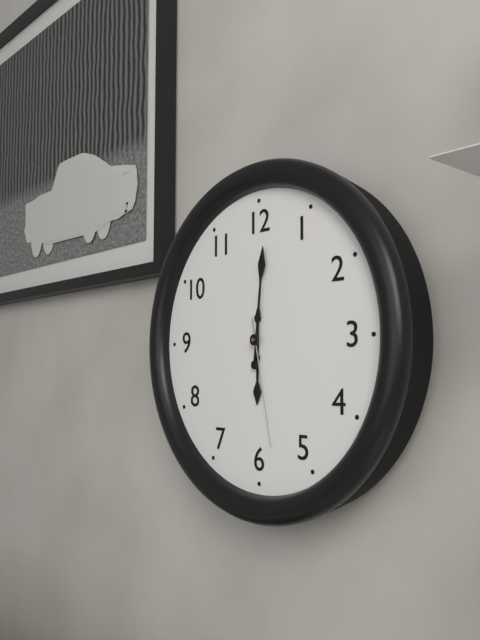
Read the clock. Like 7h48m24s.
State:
6h01m28s
